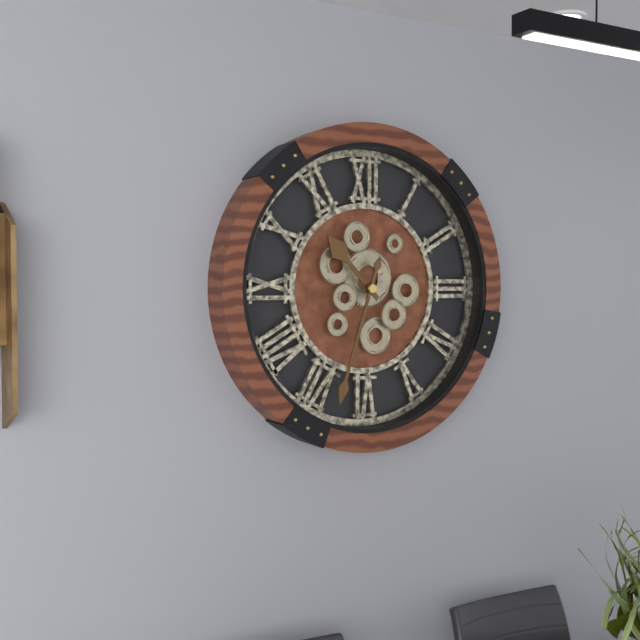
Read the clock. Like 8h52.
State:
10h33
